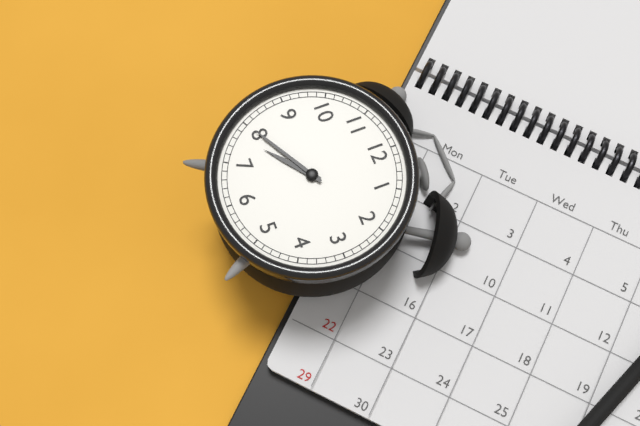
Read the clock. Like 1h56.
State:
7h40
